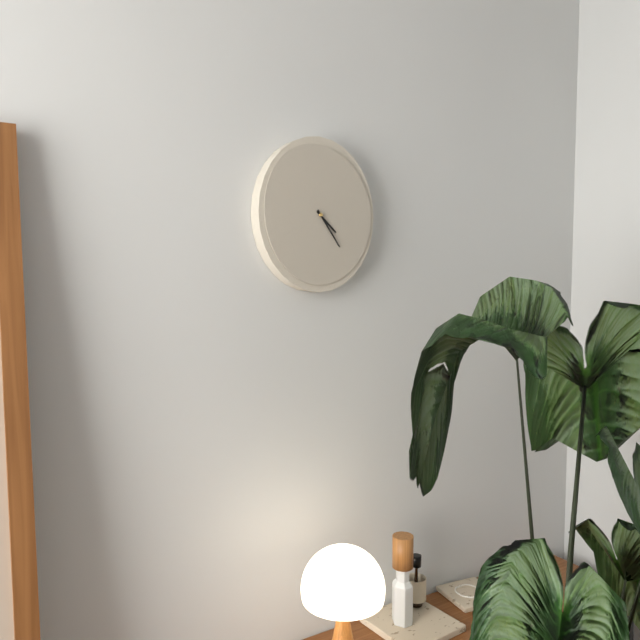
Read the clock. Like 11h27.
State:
4h24
